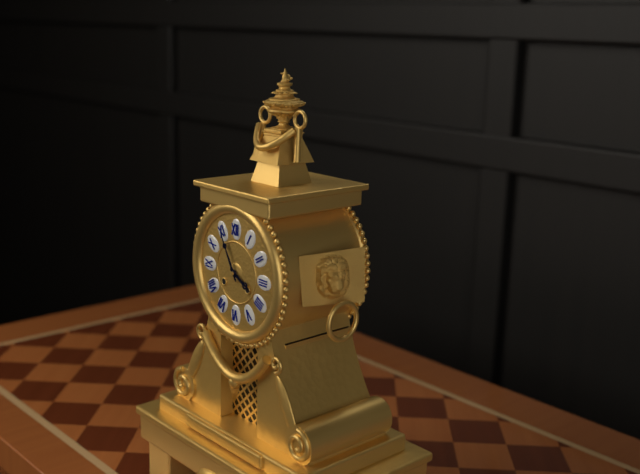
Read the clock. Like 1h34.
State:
3h55
